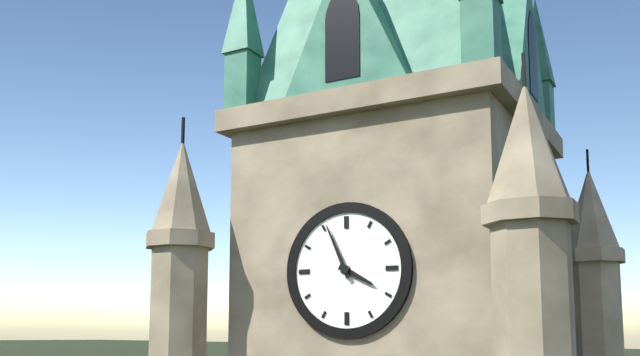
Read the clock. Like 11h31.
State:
3h56
